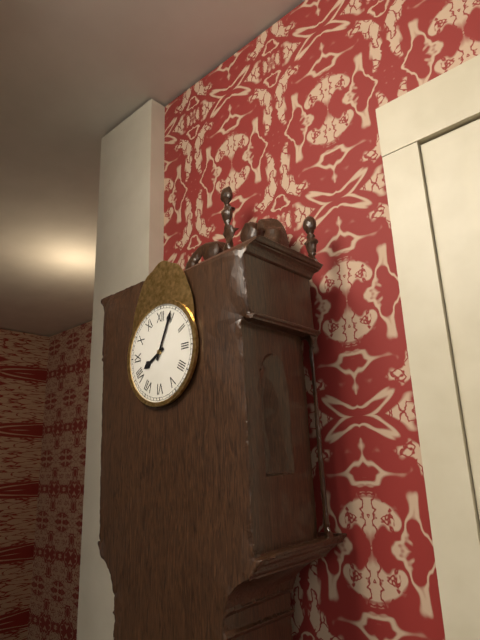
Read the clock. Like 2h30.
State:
8h04
